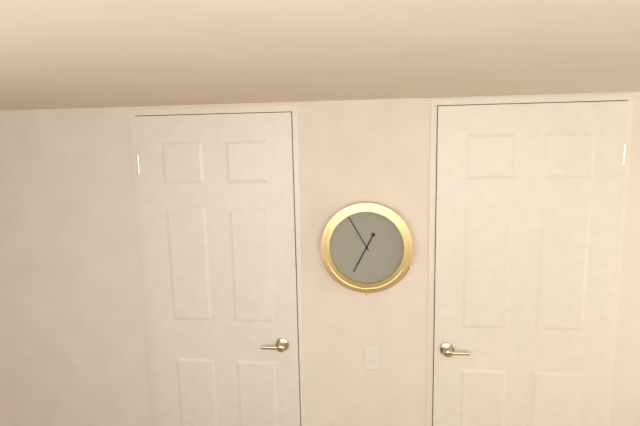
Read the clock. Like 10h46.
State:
6h55
